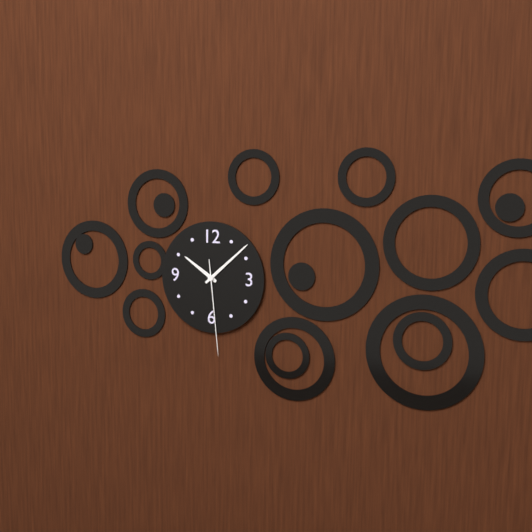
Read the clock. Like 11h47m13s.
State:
10h08m29s
